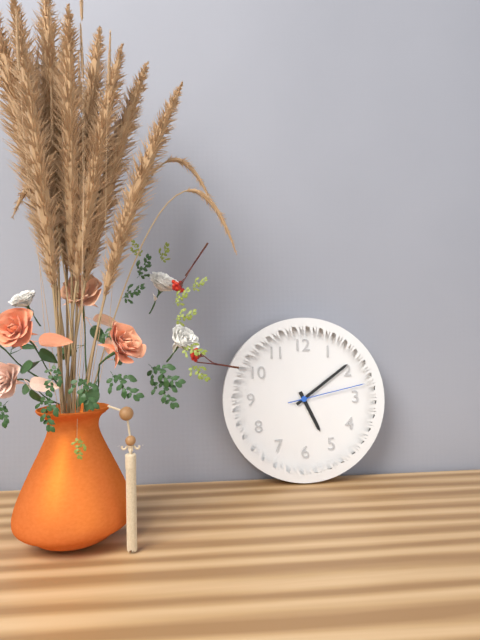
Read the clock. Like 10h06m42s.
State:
5h09m13s
